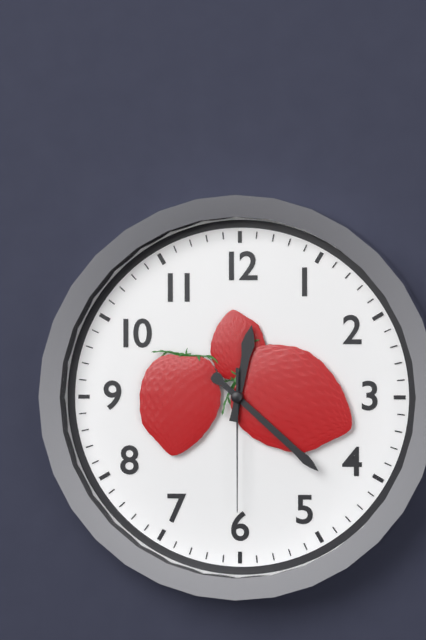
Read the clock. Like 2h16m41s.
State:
12h22m30s
